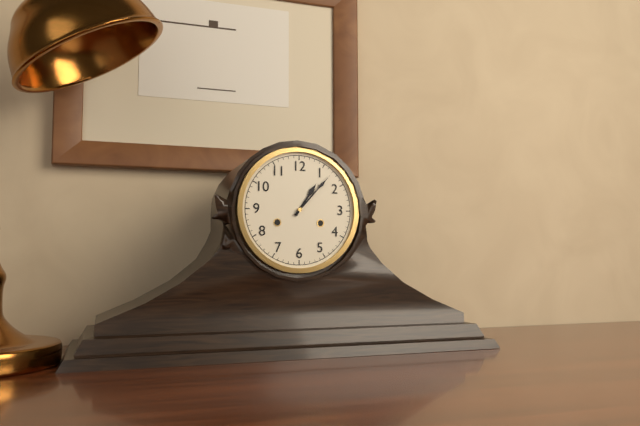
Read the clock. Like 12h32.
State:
1h07
